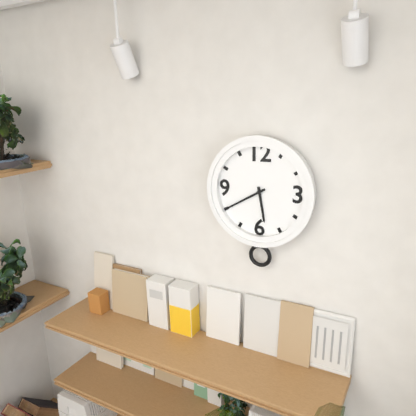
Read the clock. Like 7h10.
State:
5h40
